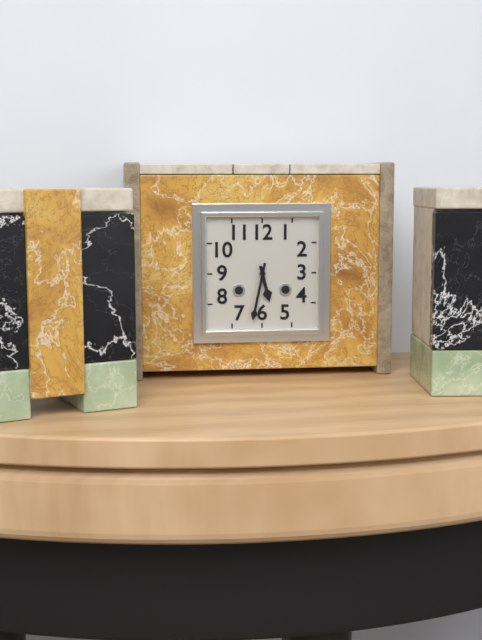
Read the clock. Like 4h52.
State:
5h32
